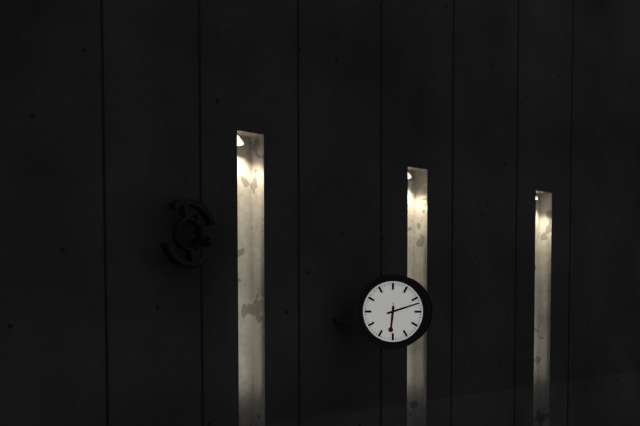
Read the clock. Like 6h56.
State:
6h12
